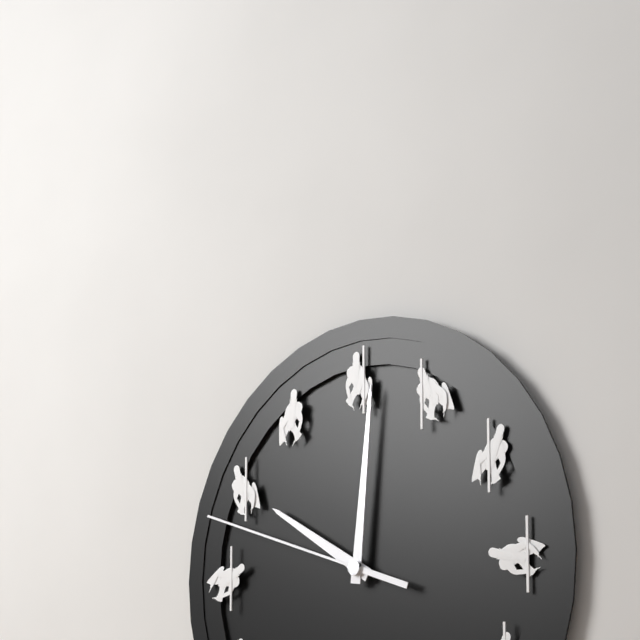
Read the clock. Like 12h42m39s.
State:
10h01m48s
